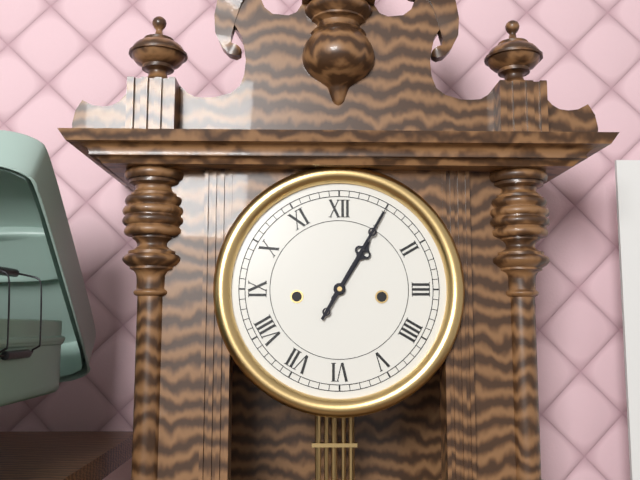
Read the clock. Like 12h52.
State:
1h05
